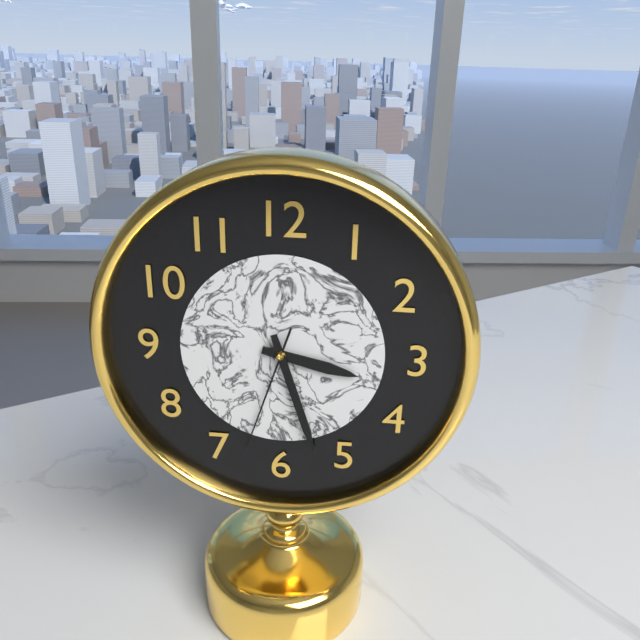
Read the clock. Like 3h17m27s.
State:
3h27m33s
